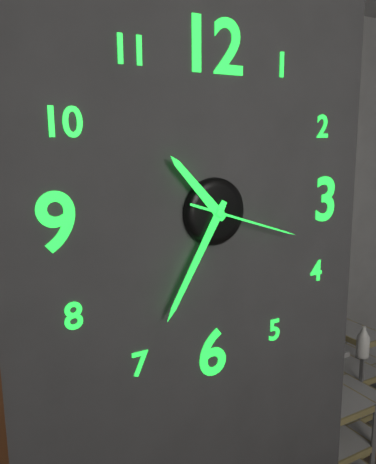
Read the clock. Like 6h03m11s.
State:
10h35m18s
